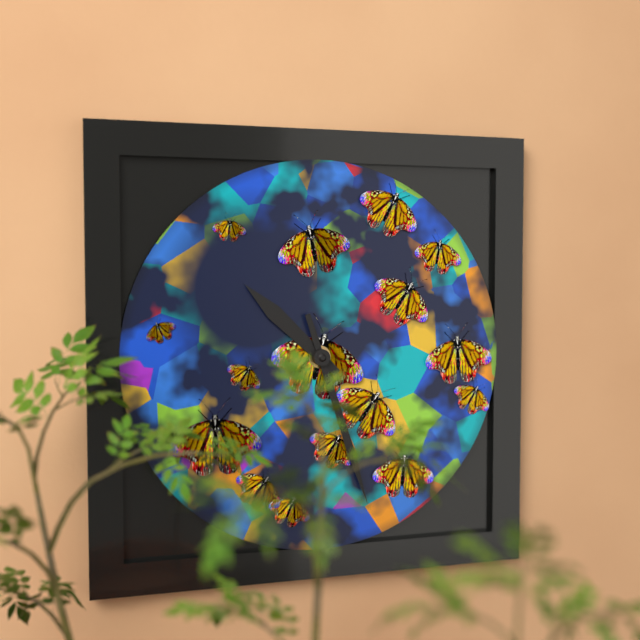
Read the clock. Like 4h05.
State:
10h27
